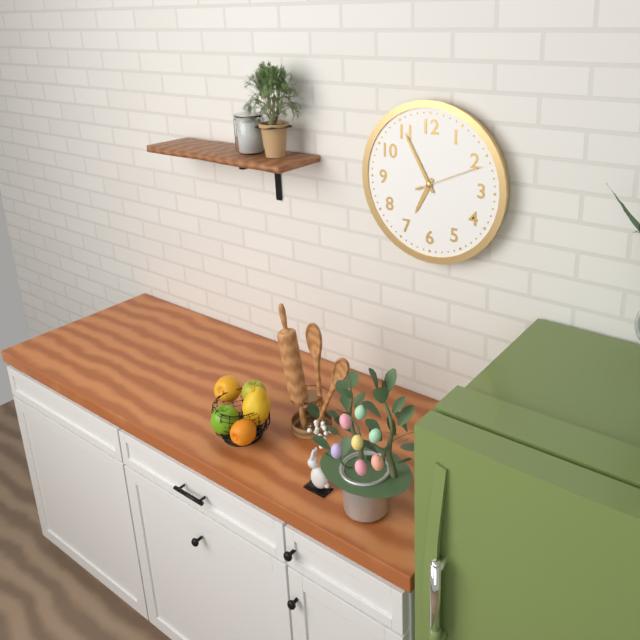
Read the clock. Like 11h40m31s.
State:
6h55m11s
